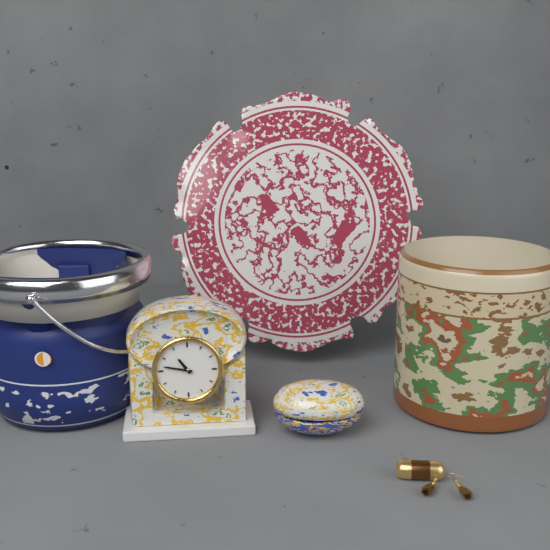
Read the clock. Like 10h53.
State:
10h47
